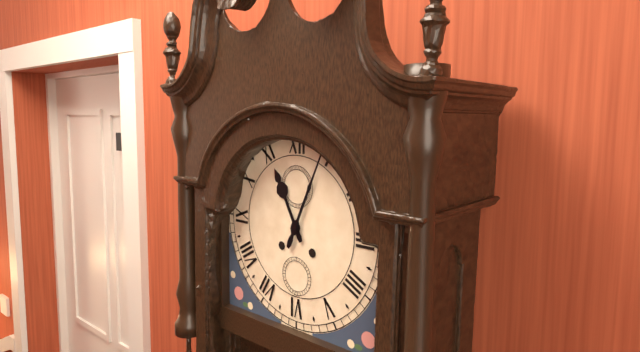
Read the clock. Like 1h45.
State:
11h04
